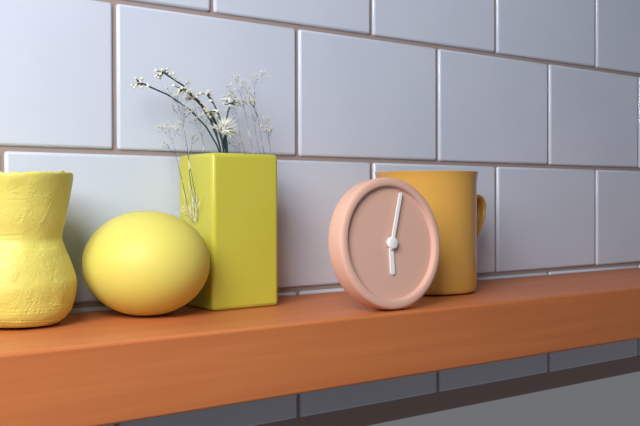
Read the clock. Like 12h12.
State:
6h03
